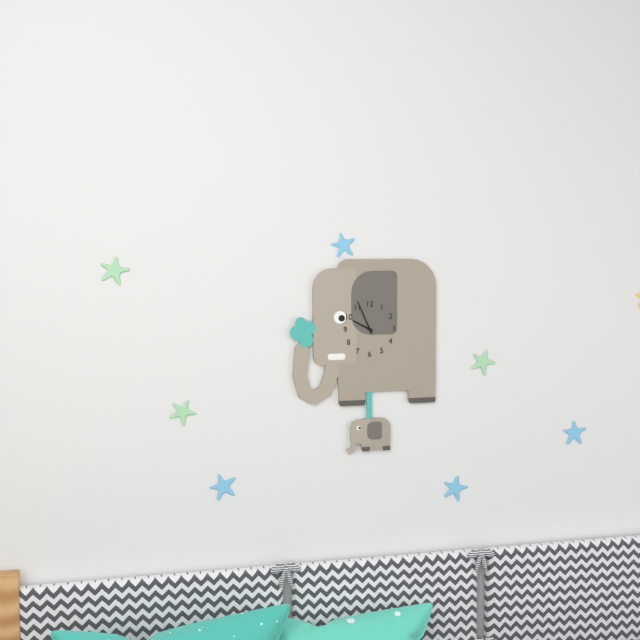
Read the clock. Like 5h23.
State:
9h56
